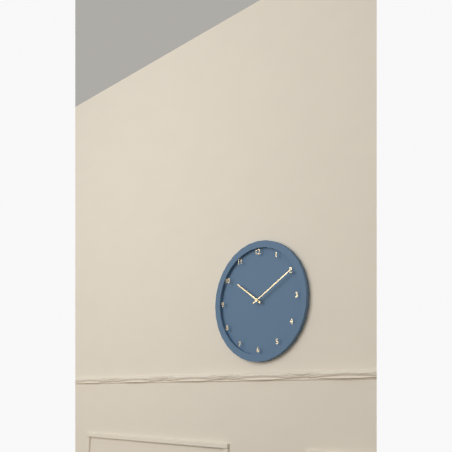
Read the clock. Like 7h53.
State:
10h10
